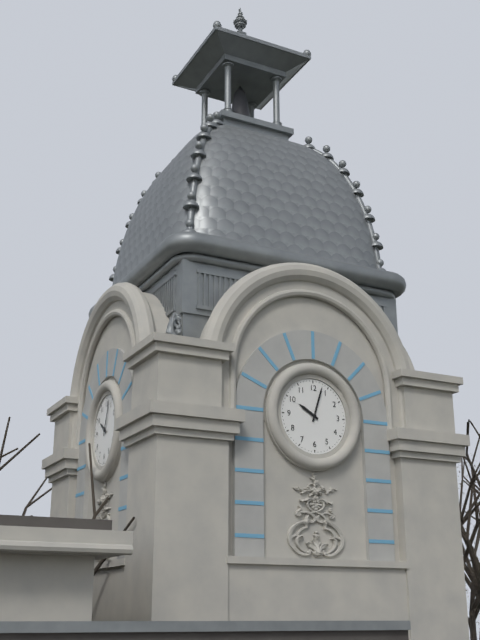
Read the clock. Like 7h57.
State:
10h03
